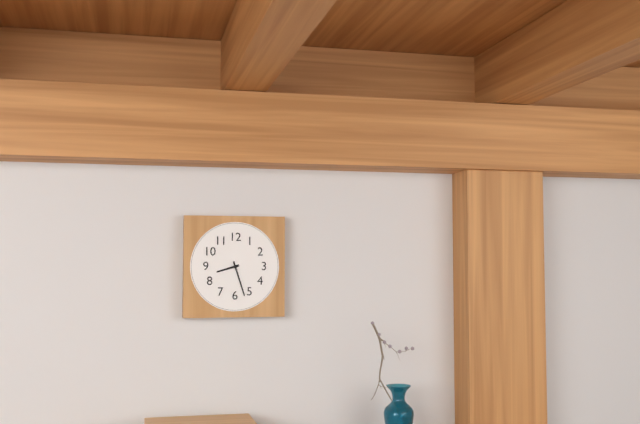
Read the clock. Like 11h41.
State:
8h27
